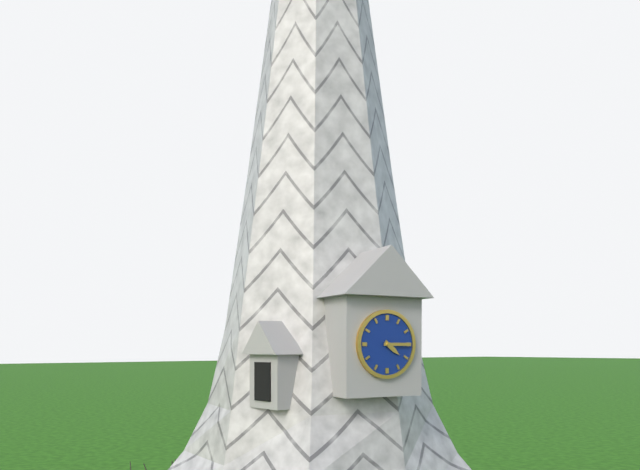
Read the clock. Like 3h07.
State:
4h15
